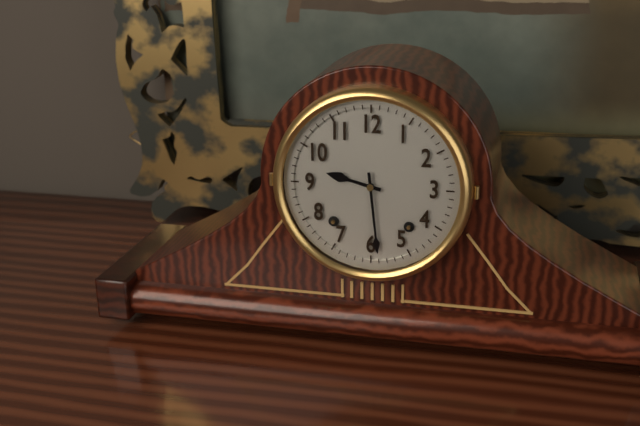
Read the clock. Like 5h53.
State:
9h29
